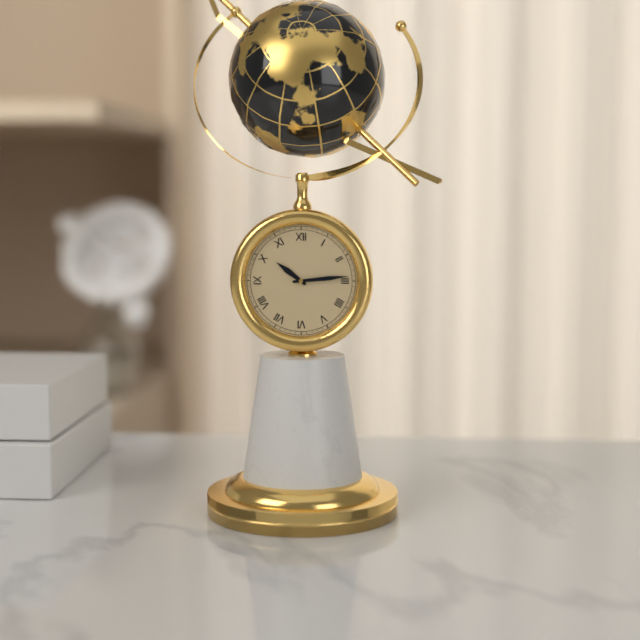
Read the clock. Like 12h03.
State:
10h14
